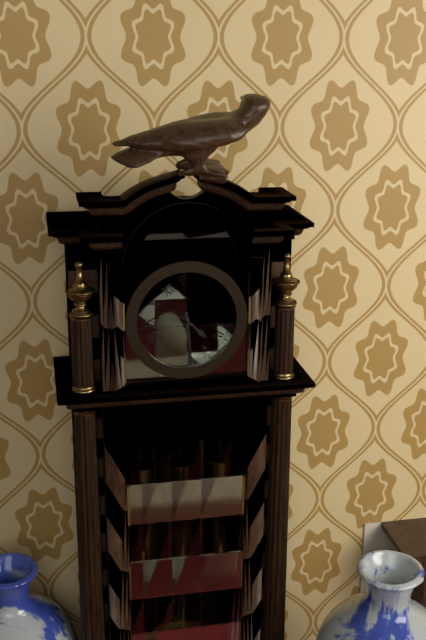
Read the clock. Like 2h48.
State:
4h29
